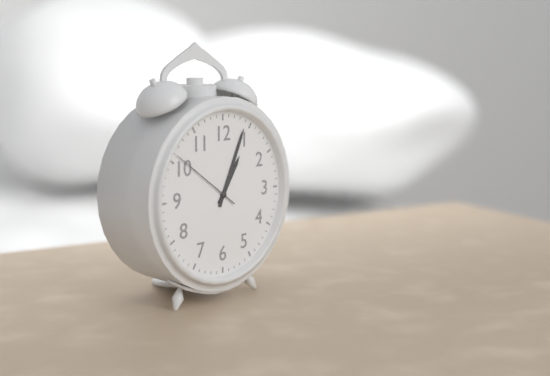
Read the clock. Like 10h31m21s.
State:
1h04m51s
